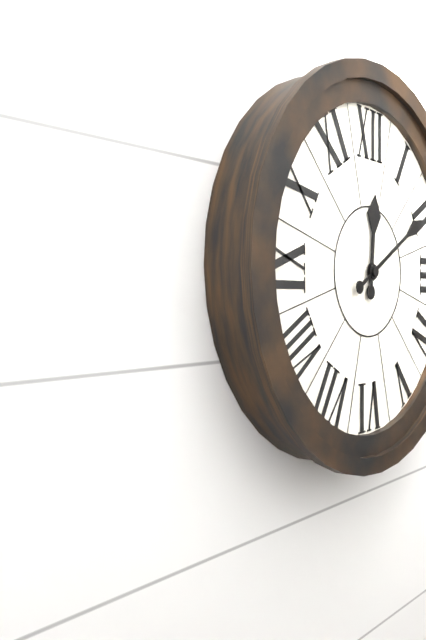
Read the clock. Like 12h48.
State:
12h10
